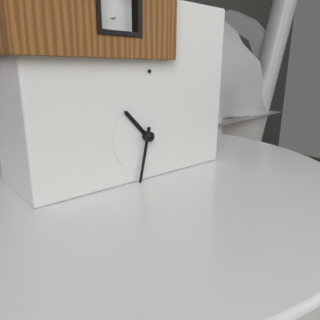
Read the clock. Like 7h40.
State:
10h32
